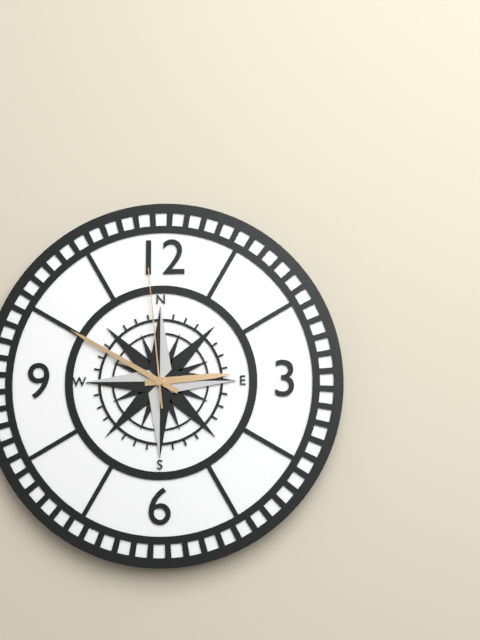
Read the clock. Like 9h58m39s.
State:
2h50m59s
